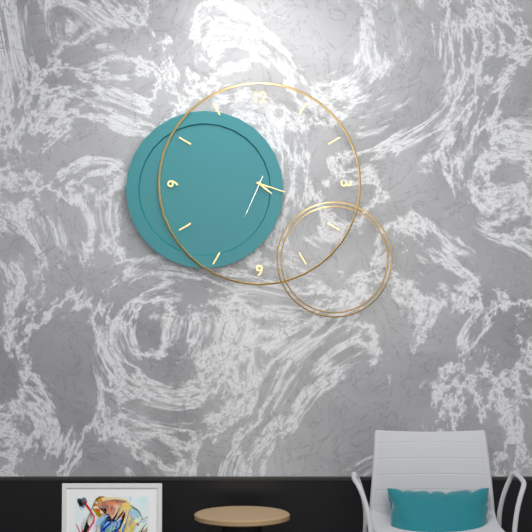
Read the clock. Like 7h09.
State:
4h18
